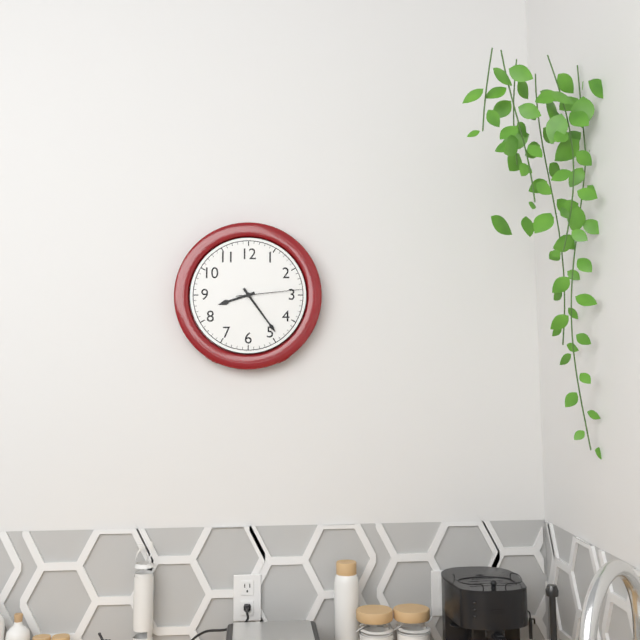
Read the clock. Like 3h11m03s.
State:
8h24m14s
